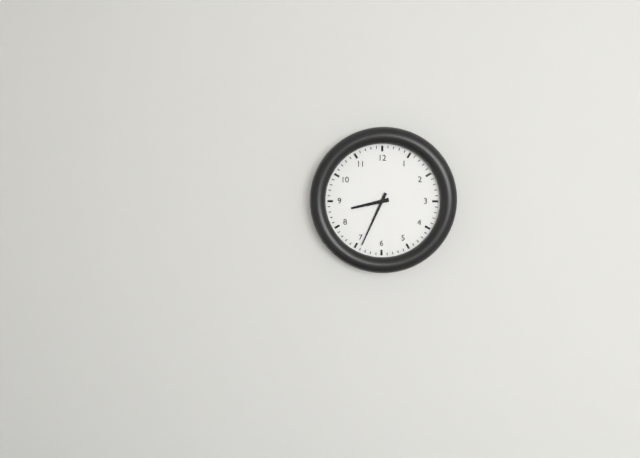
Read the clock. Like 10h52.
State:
8h34
